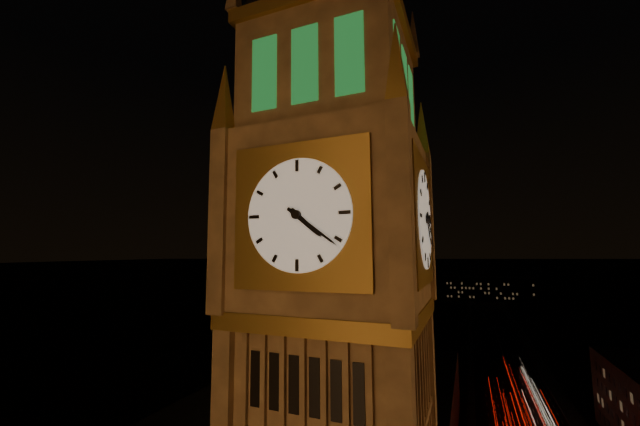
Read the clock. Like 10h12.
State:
4h21
